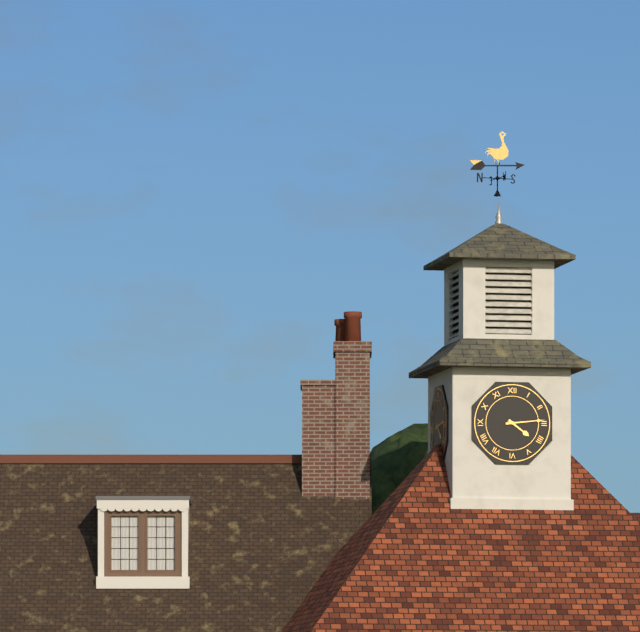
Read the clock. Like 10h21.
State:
4h14
